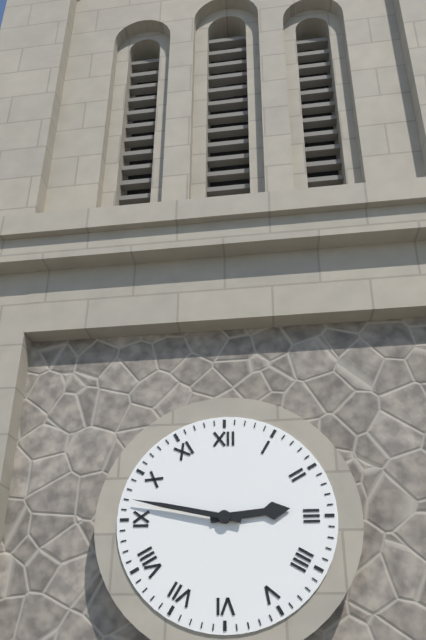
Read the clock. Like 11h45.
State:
2h47
